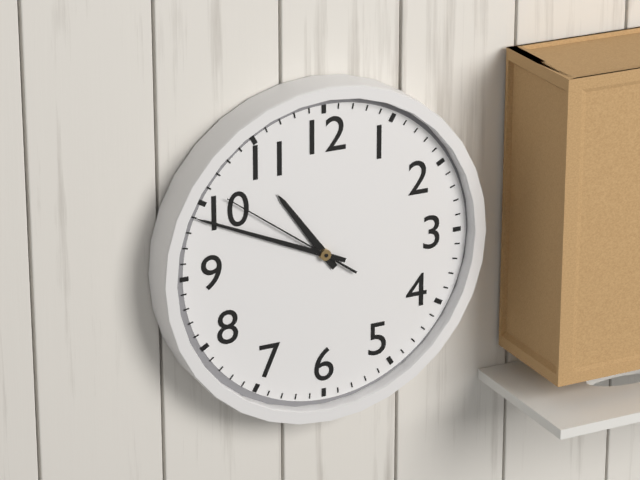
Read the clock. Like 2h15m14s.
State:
10h49m51s
